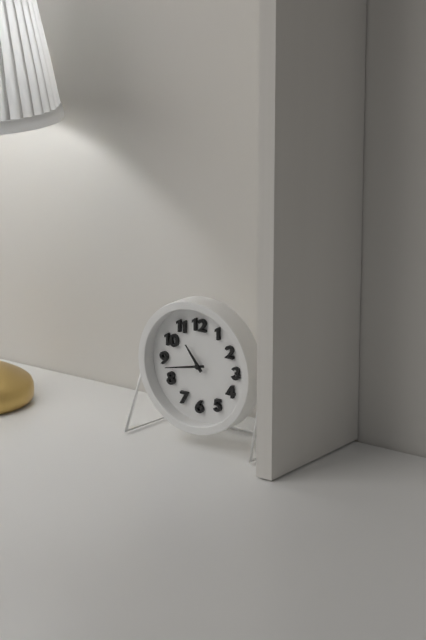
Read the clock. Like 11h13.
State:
10h43
